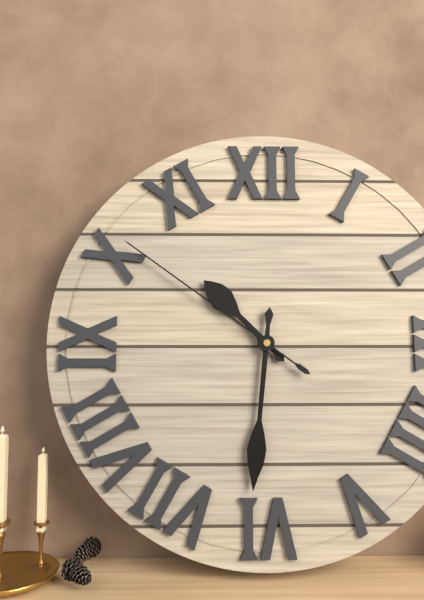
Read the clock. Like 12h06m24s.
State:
10h31m51s
